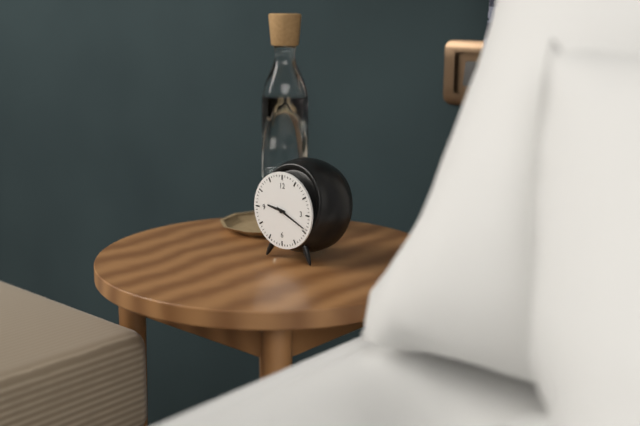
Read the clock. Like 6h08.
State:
9h19
